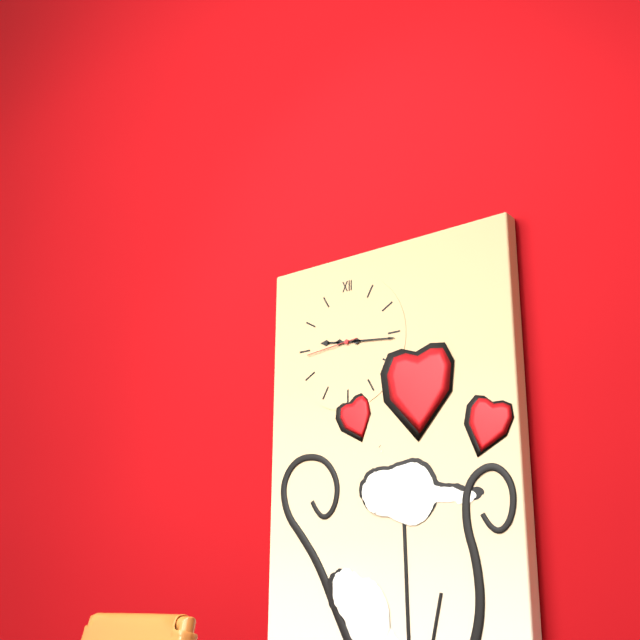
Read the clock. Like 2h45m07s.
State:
9h16m44s
